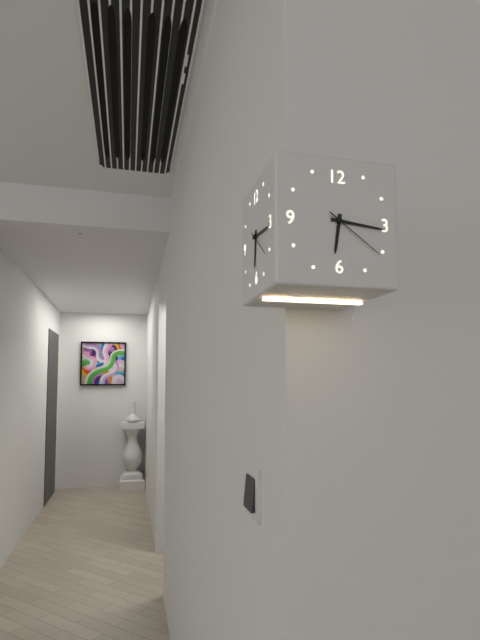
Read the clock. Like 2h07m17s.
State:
6h16m21s
